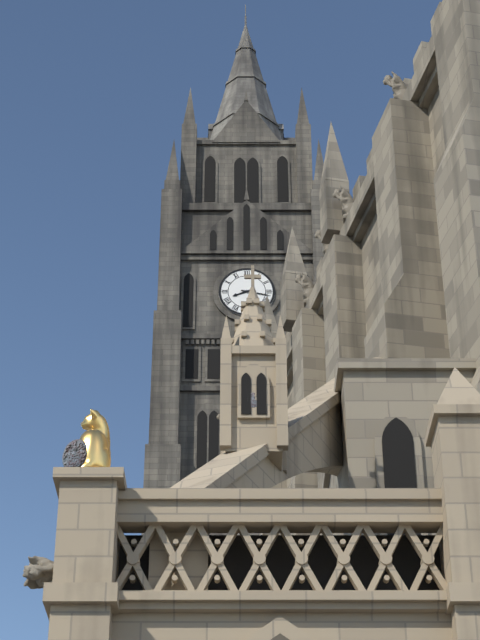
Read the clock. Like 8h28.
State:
8h17
